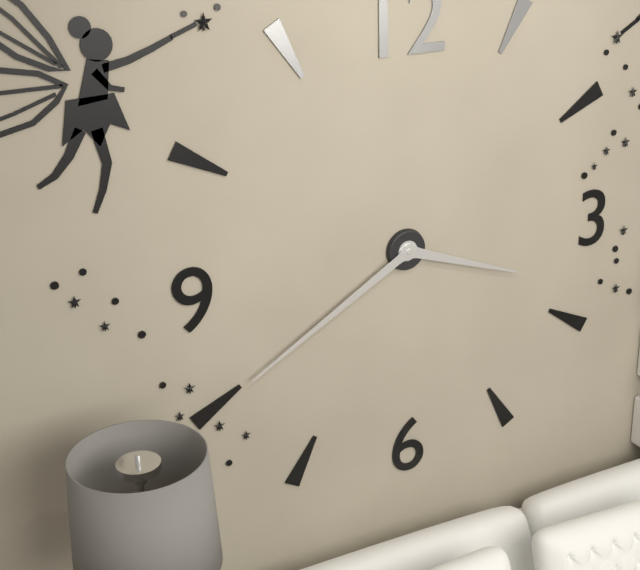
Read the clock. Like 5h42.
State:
3h40
